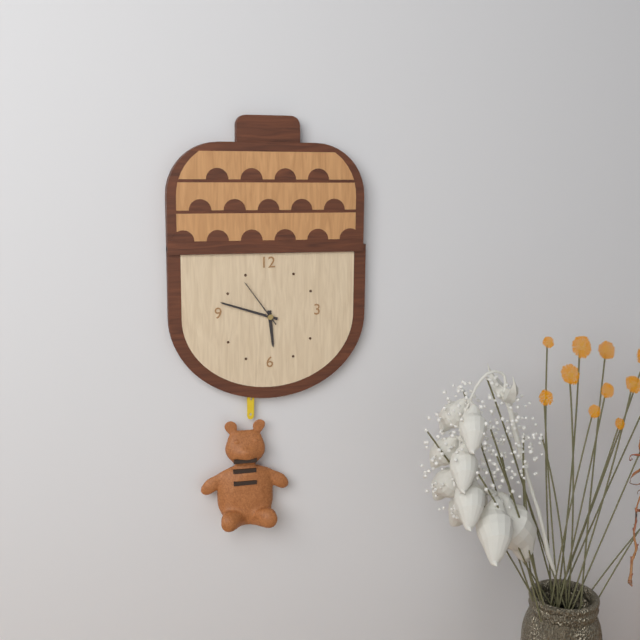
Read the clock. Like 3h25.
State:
5h48
